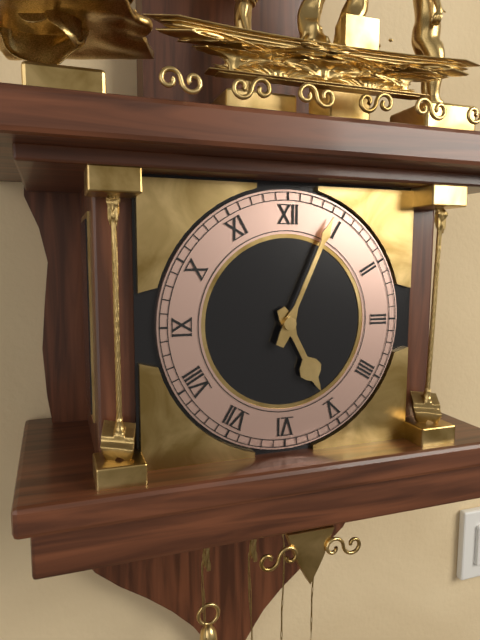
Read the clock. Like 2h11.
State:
5h04
